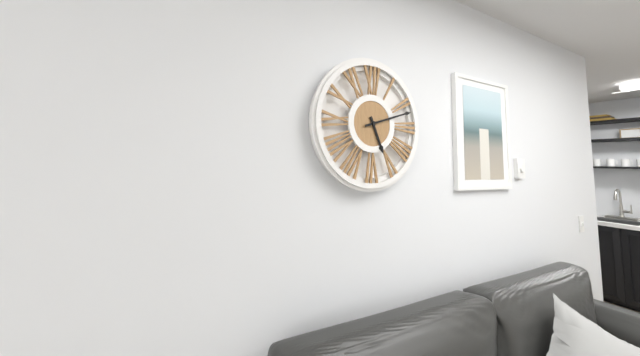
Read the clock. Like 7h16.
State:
5h12
